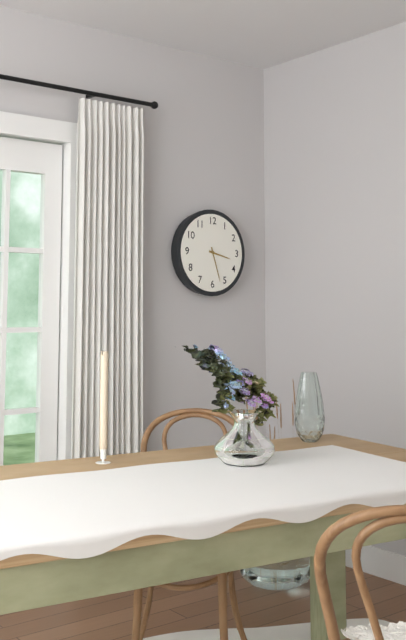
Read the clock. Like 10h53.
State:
3h27
